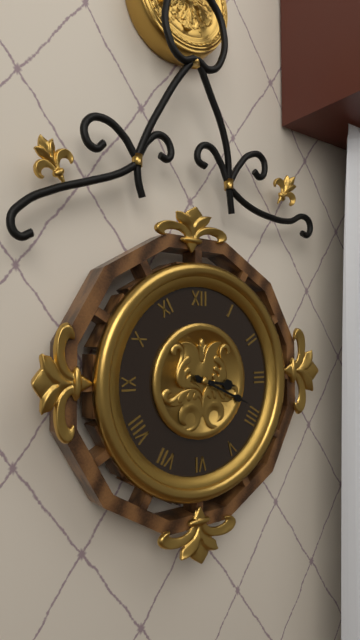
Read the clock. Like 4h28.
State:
3h19
